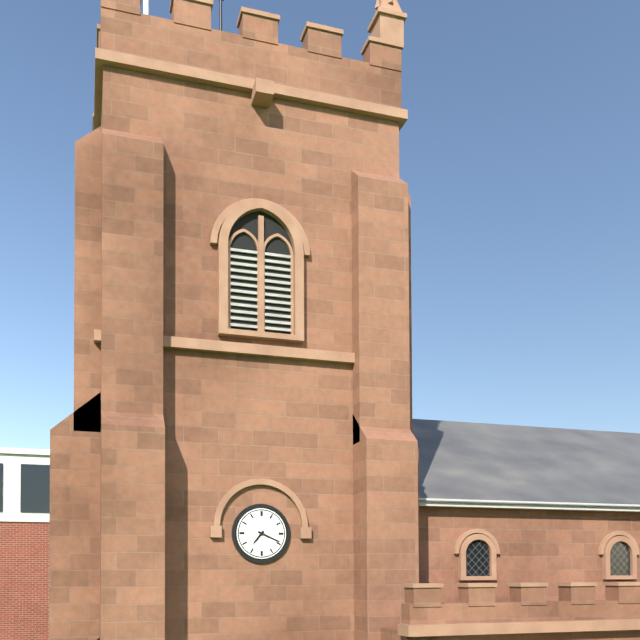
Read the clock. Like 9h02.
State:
7h19
